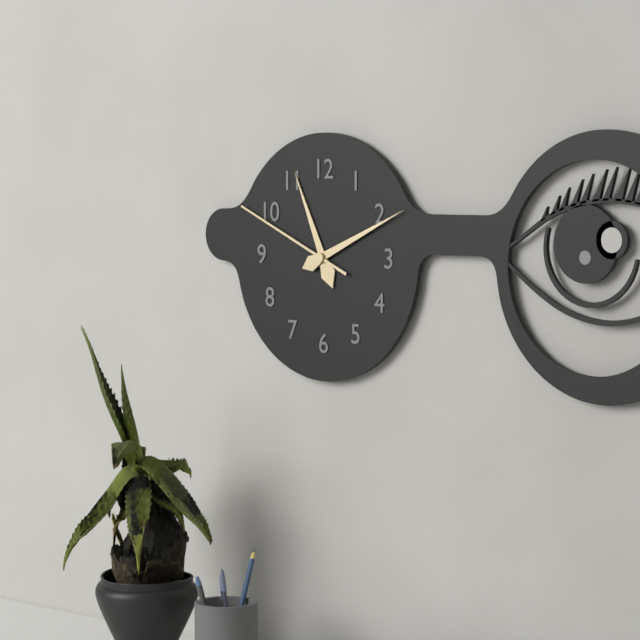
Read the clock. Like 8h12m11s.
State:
11h11m49s
